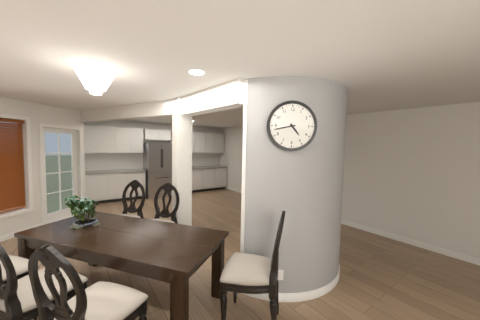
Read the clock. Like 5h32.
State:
4h43
